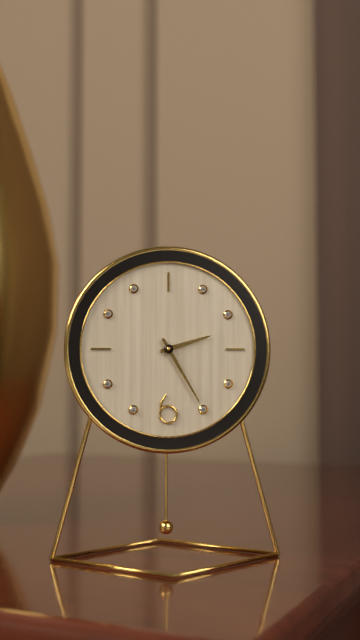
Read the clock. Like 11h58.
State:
2h25
